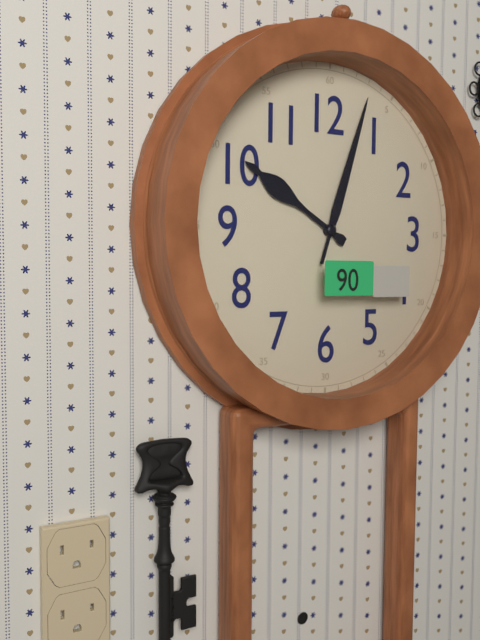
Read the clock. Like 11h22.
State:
10h03
